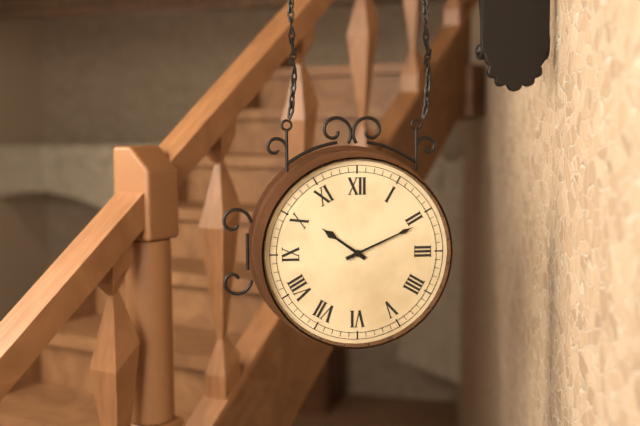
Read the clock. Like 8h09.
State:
10h11
